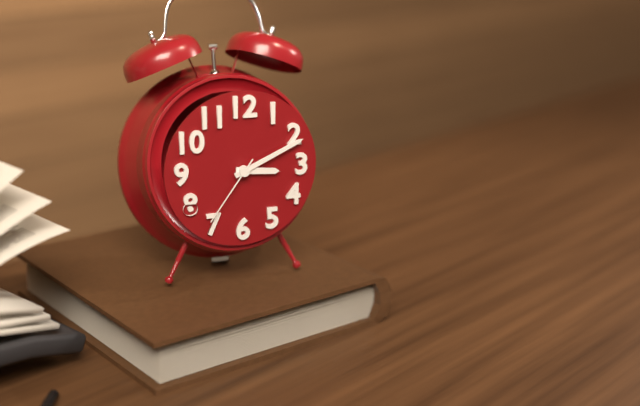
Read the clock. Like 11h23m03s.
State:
3h11m36s
